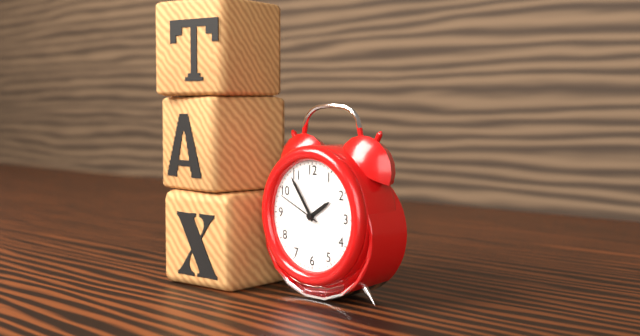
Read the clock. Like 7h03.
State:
1h54
